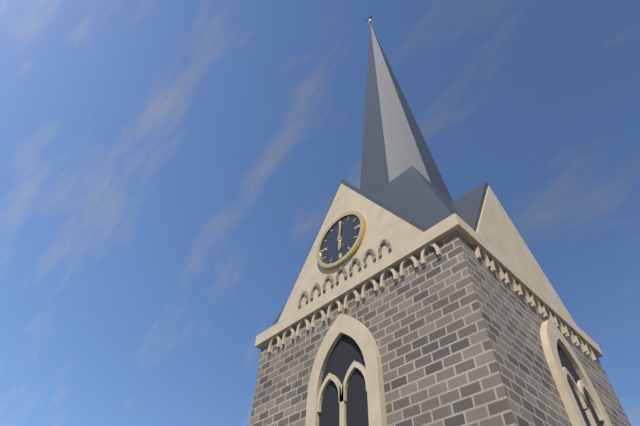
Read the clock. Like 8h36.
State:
6h01
